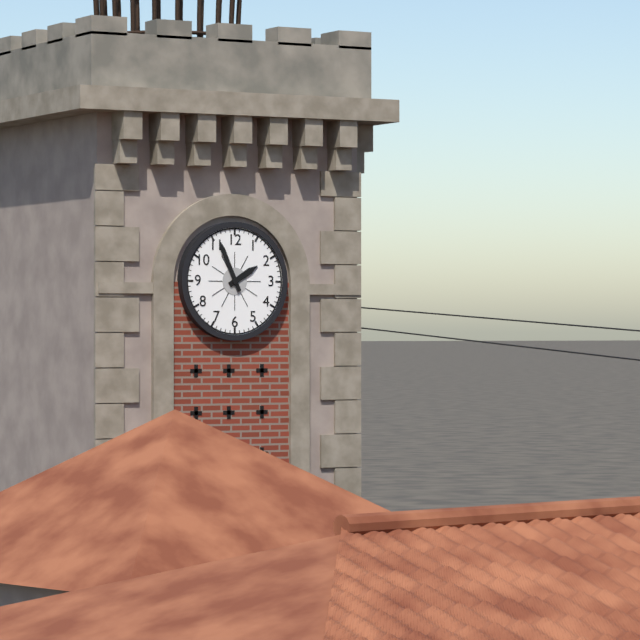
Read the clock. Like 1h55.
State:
1h56
